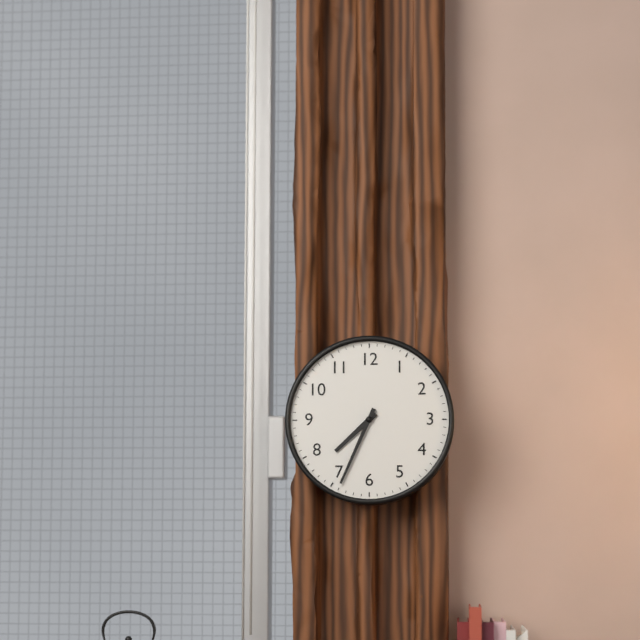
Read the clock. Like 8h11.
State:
7h34
